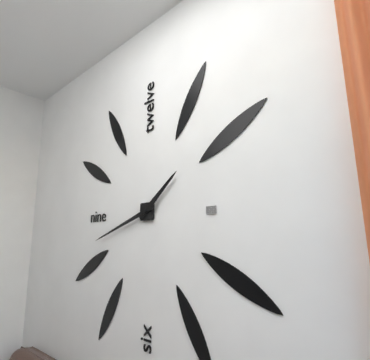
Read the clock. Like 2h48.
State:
1h42
